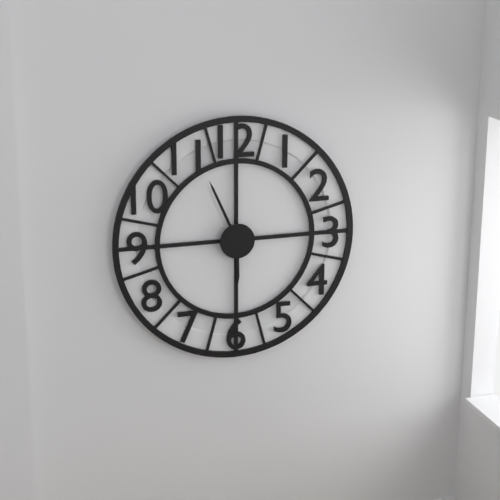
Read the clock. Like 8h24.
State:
5h56
